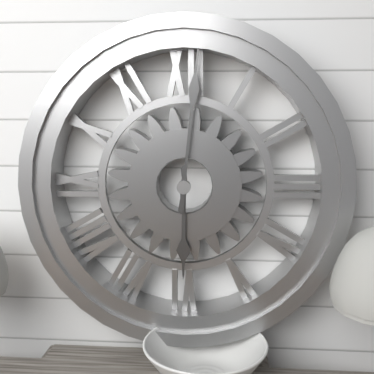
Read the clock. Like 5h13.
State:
6h01
